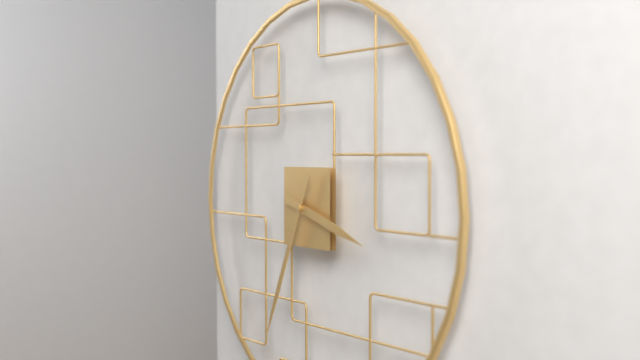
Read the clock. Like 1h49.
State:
3h34
